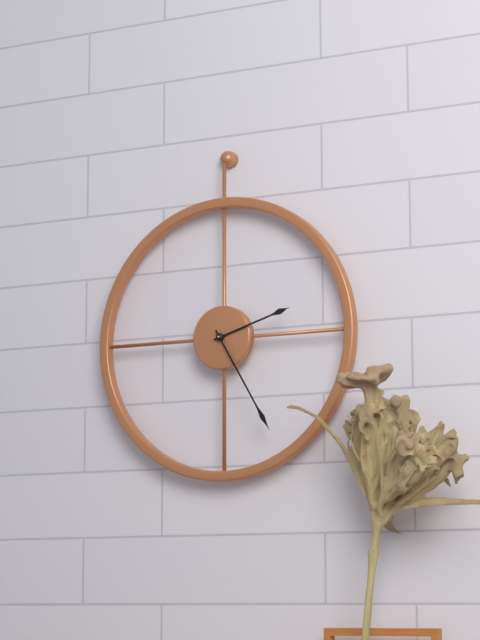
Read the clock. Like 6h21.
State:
2h25
